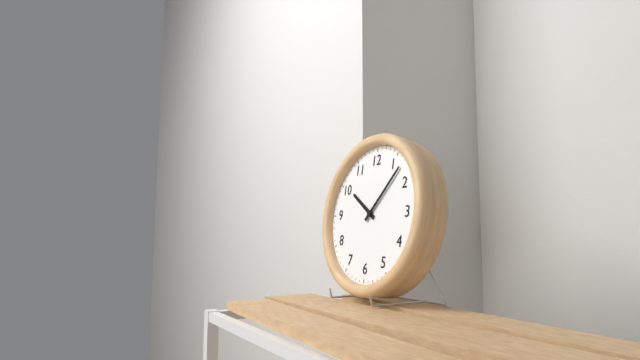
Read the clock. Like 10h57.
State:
10h07
